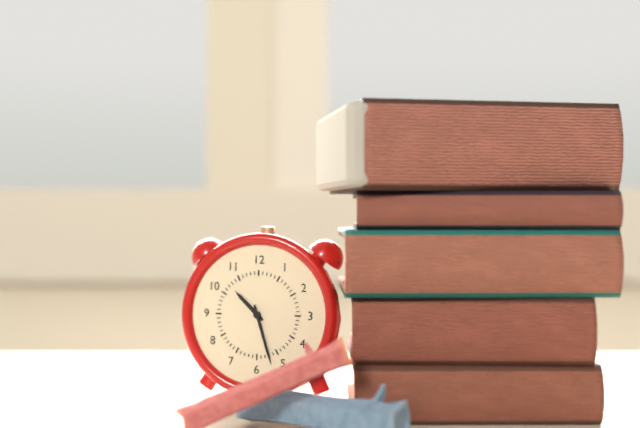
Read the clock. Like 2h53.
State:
10h27
